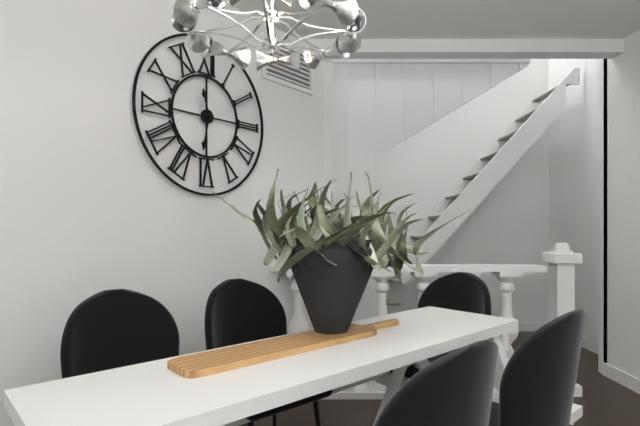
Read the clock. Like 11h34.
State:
11h32
